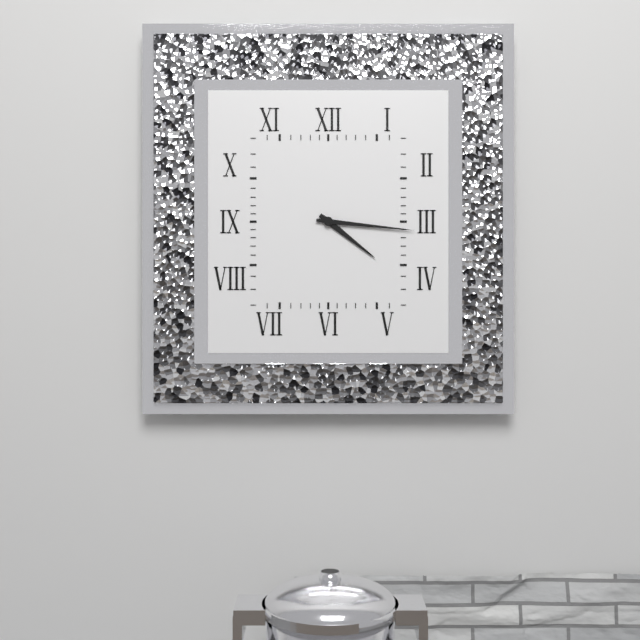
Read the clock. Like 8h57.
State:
4h16
